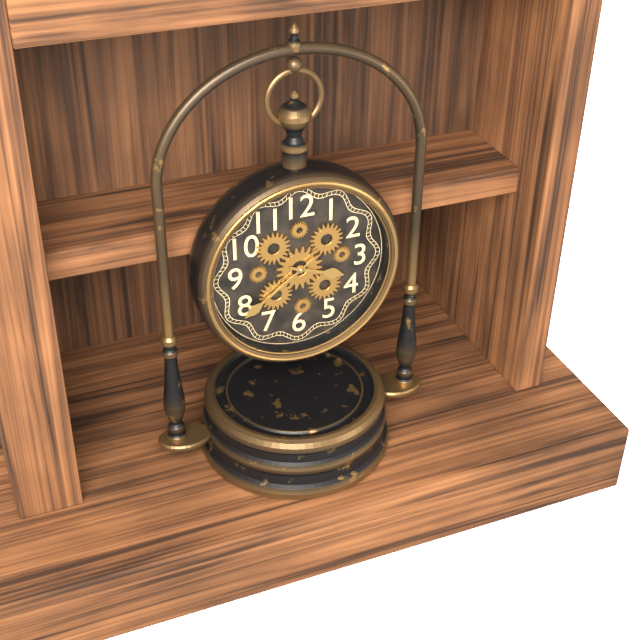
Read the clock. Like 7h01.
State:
3h39
